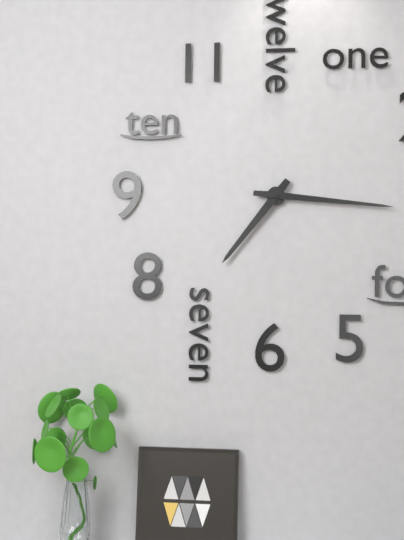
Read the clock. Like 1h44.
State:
7h16
